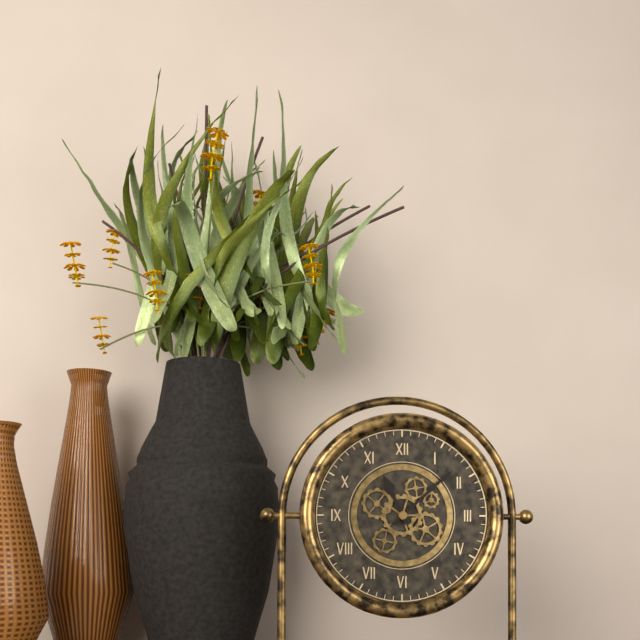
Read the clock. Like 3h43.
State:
11h08
